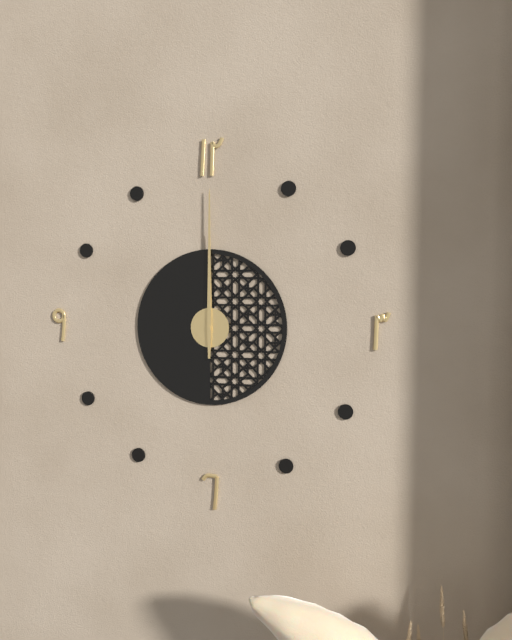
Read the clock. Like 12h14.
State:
12h00
